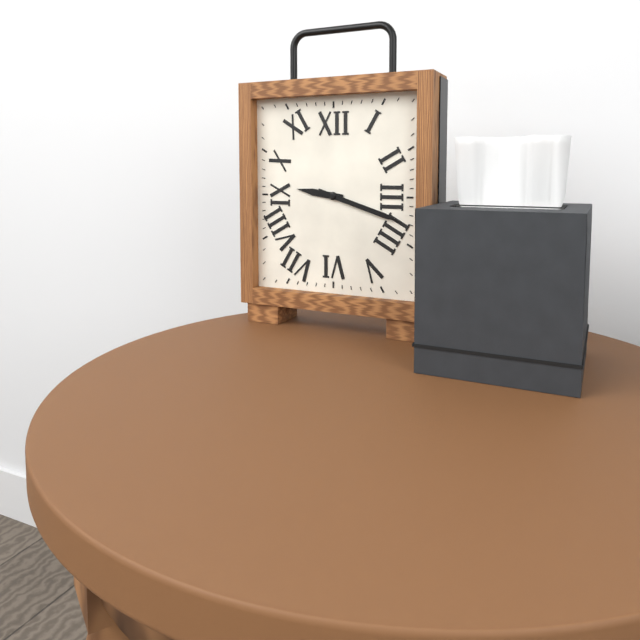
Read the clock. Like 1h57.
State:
9h18
